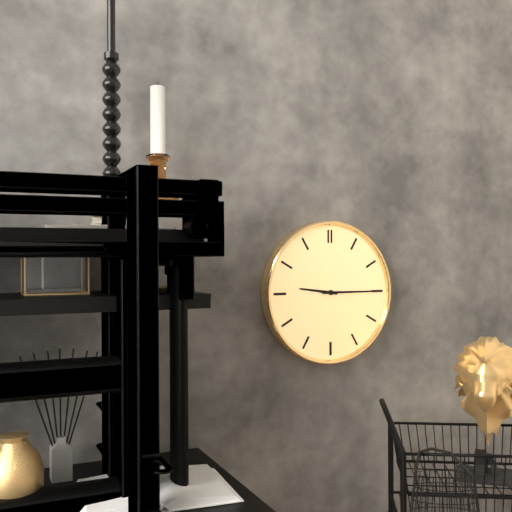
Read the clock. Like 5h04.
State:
9h15
